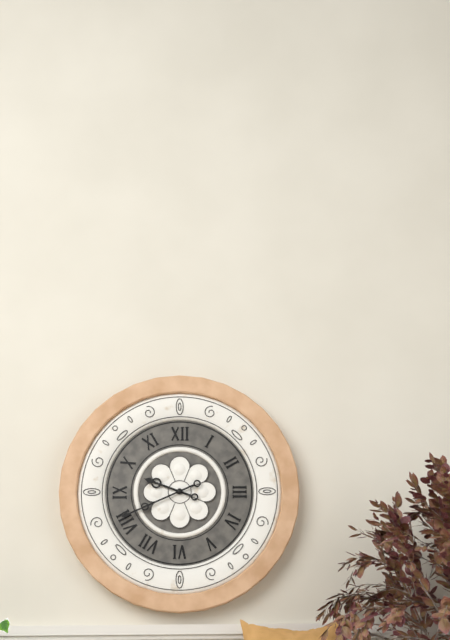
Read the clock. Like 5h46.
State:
9h41
